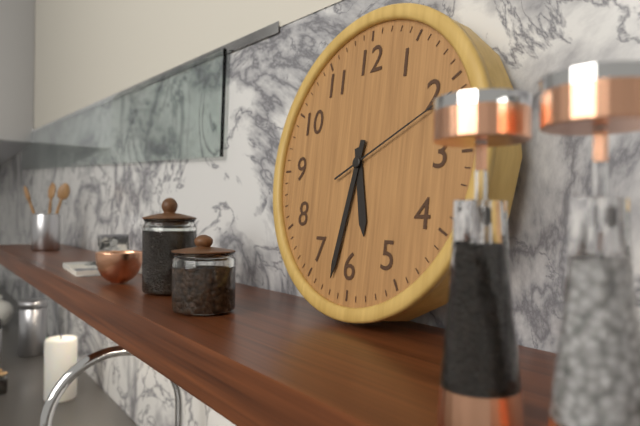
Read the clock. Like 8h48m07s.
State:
5h32m11s
